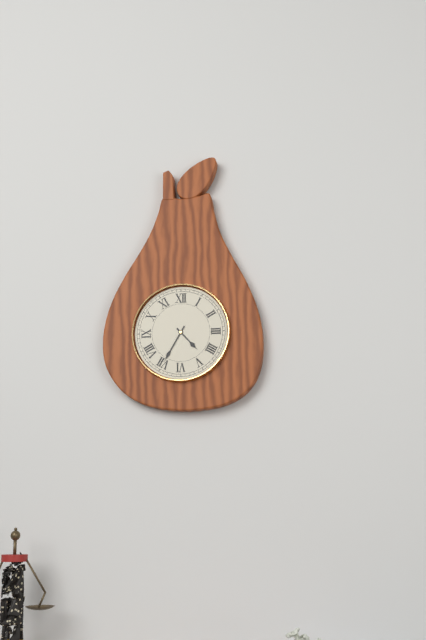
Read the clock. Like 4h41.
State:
4h35
